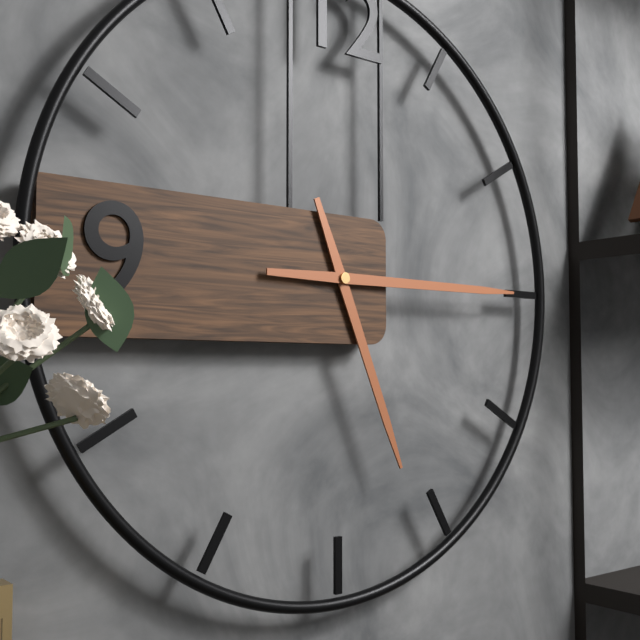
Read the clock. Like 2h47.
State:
5h15
